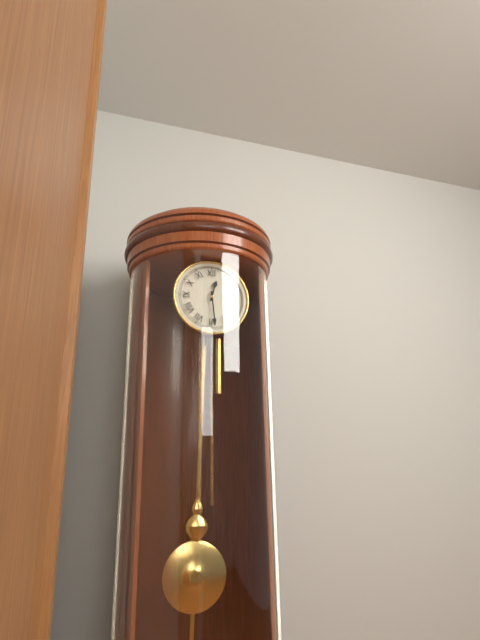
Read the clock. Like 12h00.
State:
12h29
